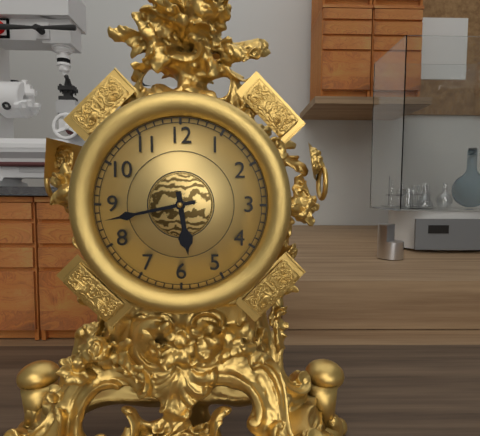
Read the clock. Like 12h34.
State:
5h43
